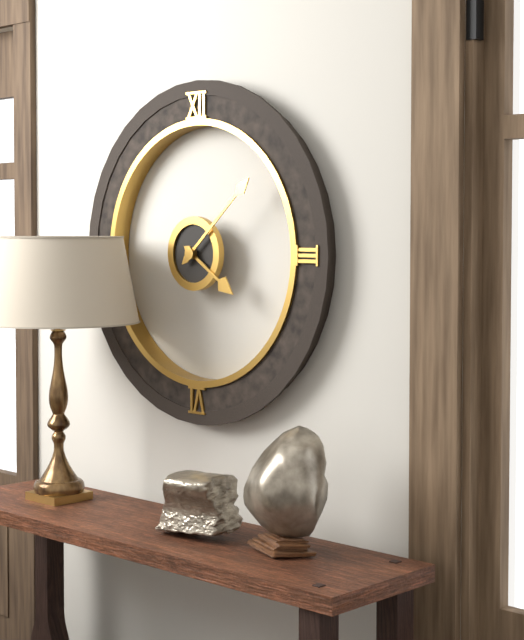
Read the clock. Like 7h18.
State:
4h08
